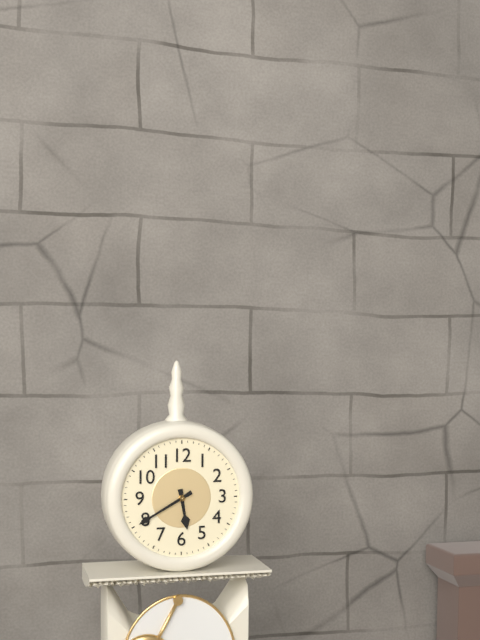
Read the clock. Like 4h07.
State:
5h40
